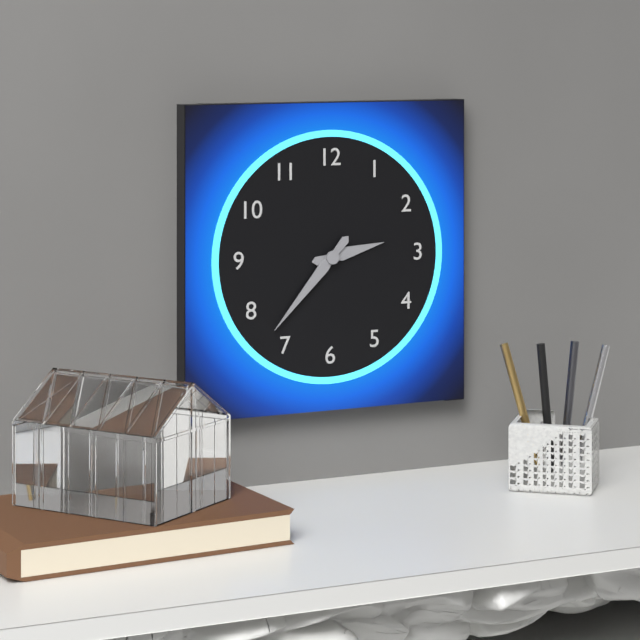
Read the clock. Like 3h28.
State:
2h37
